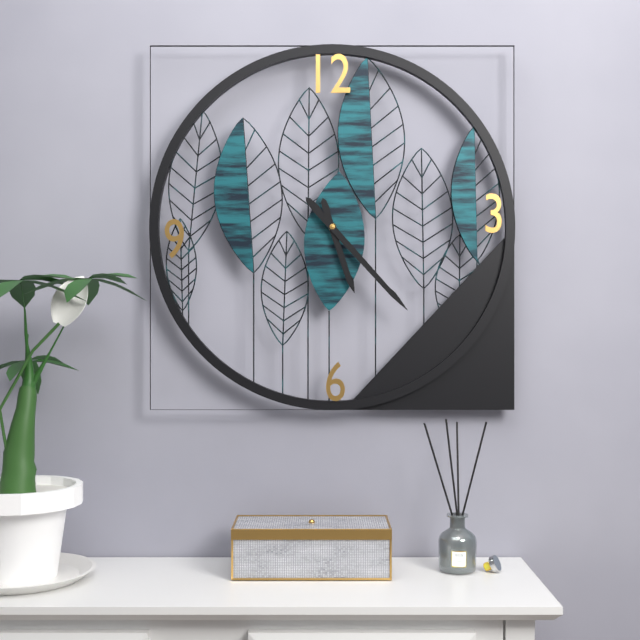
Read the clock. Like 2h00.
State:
5h23
